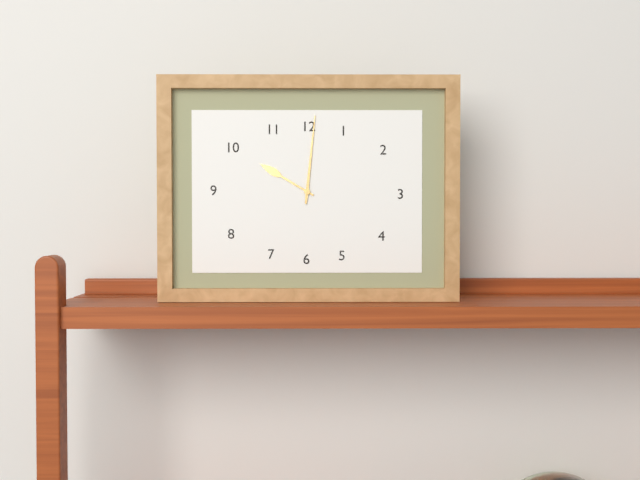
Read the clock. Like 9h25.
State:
10h01
